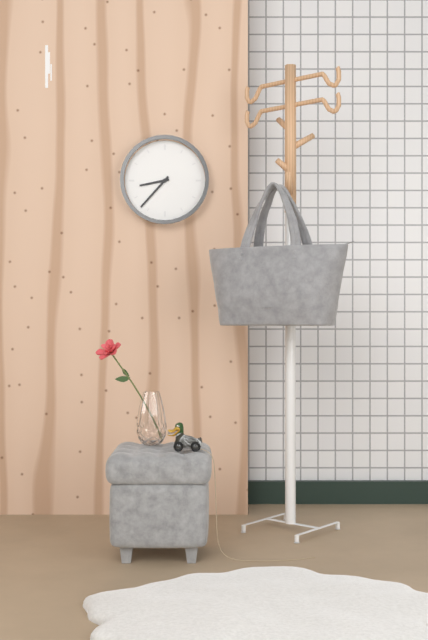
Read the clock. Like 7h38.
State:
8h37
